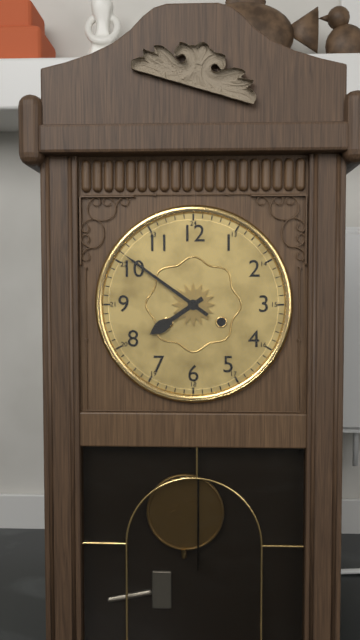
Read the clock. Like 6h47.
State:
7h51
